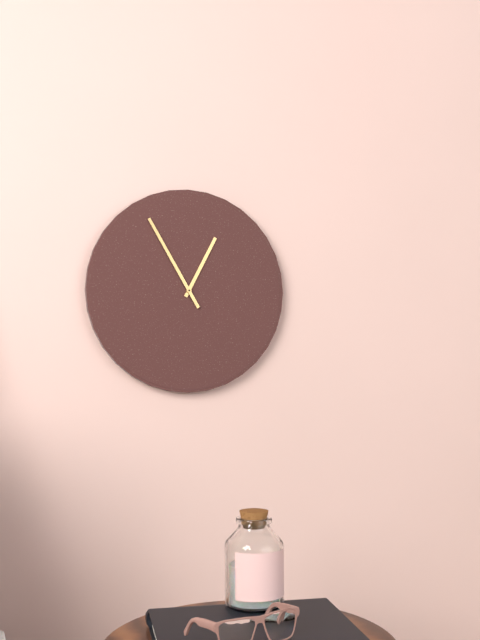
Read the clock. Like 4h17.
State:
12h55
